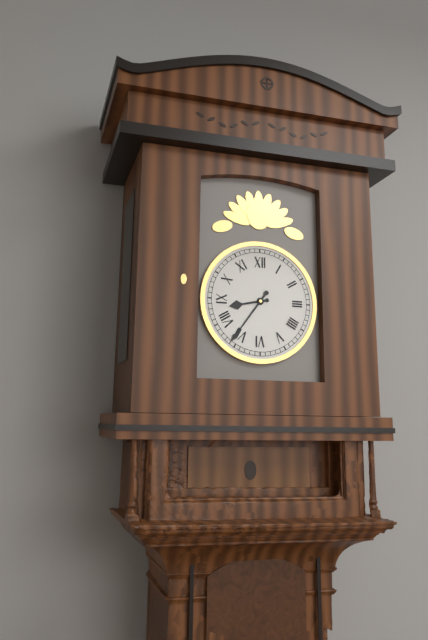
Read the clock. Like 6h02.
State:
8h36
